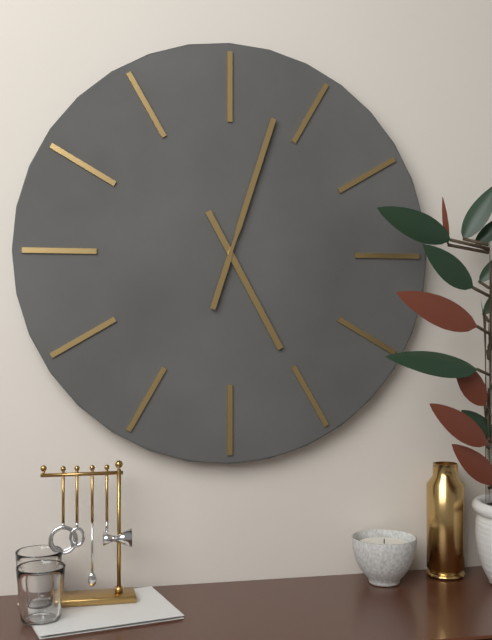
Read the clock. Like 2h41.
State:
5h03
